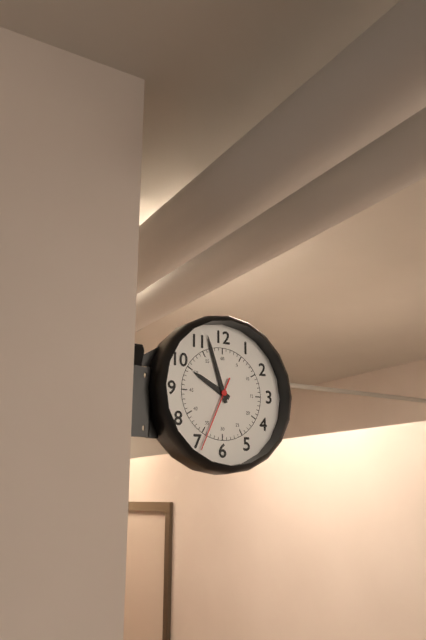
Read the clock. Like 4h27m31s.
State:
9h57m34s
